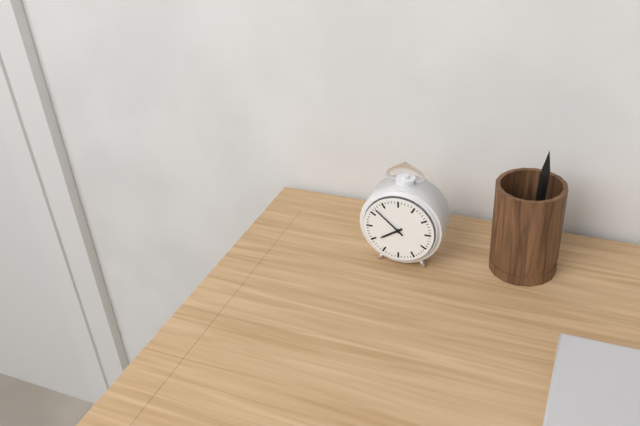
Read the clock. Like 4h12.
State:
7h52
